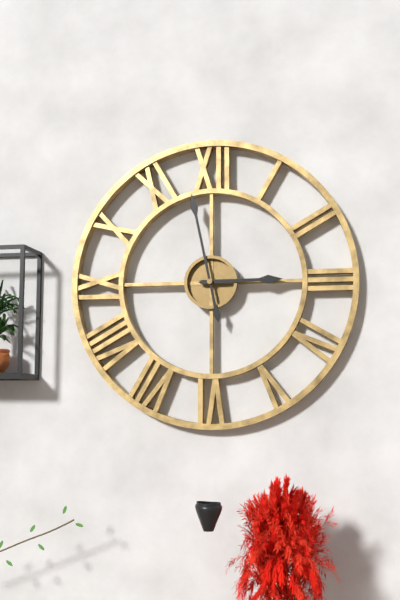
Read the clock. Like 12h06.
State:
2h58
